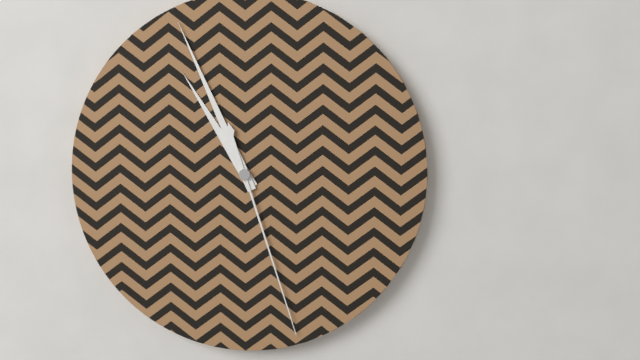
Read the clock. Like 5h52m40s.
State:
10h56m27s
